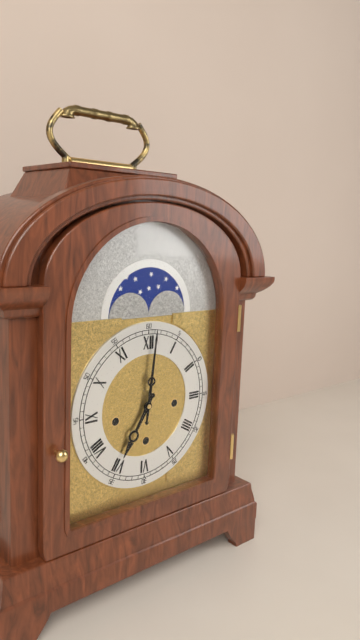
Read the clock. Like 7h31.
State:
7h01
